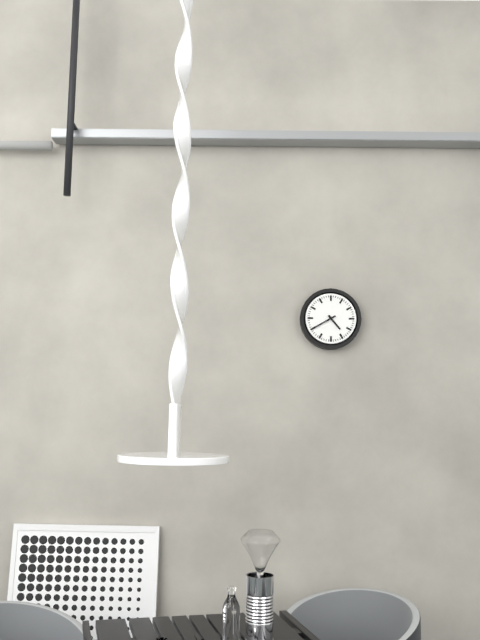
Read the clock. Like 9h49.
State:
4h40
